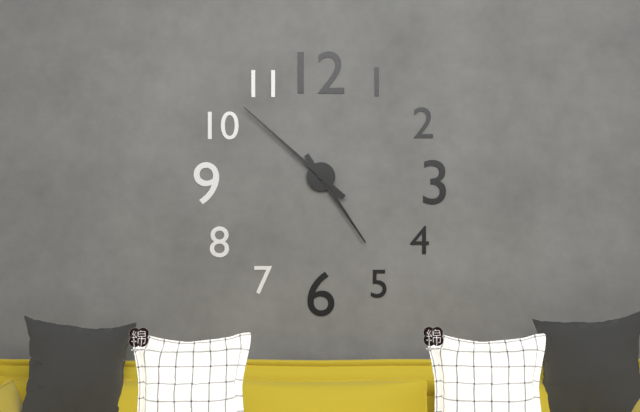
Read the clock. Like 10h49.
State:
4h52
